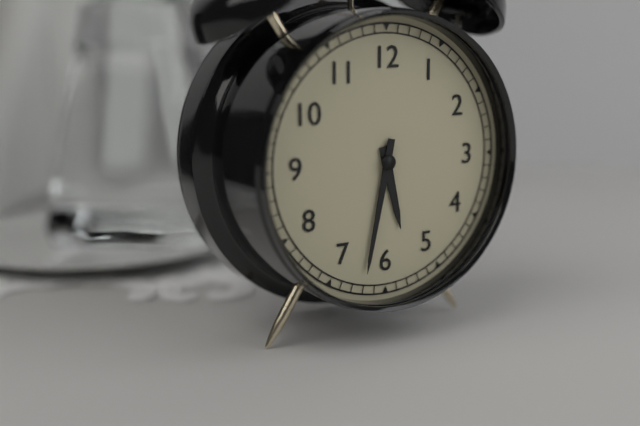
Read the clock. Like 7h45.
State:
5h32
